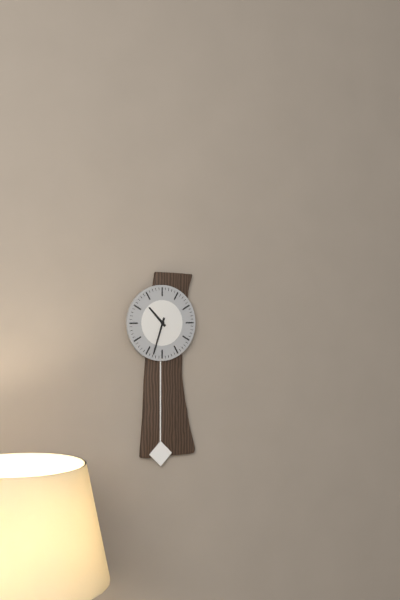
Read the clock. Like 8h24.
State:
10h33
